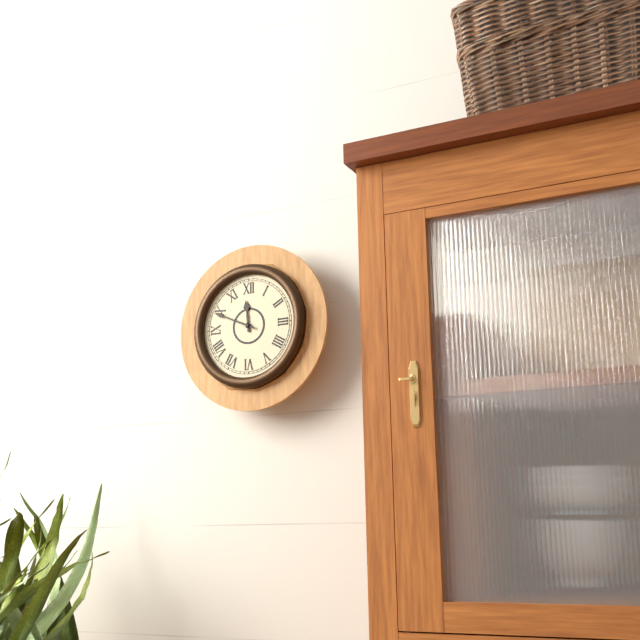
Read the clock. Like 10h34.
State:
11h49
